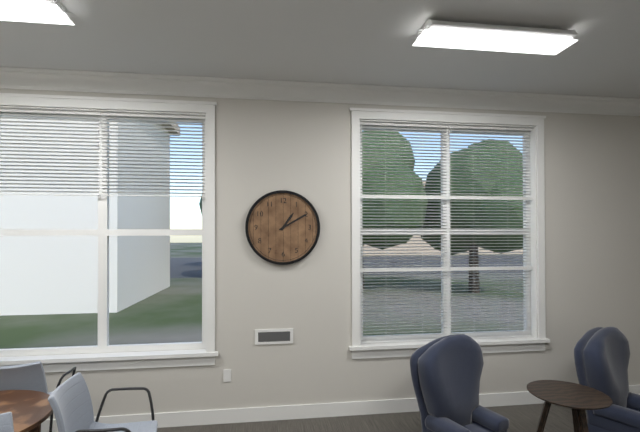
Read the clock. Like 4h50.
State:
1h10
